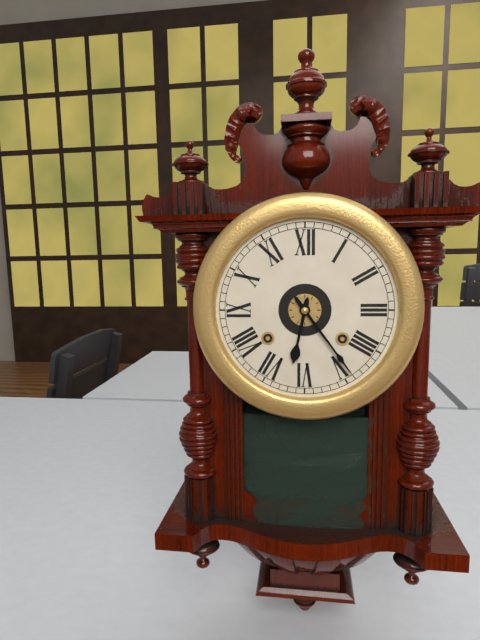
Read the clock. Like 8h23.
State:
6h24
